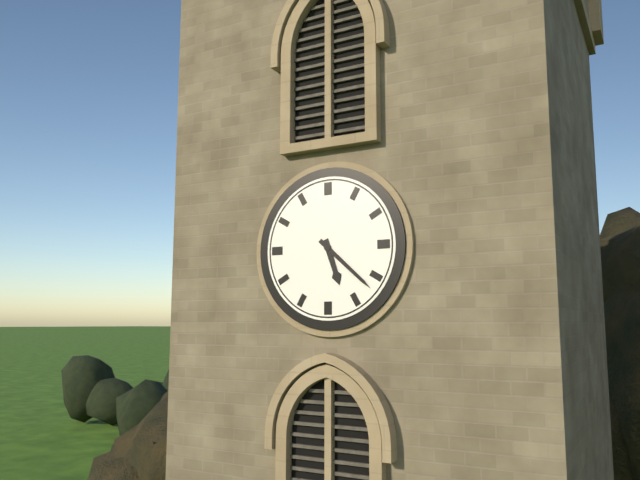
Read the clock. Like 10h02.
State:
5h22
